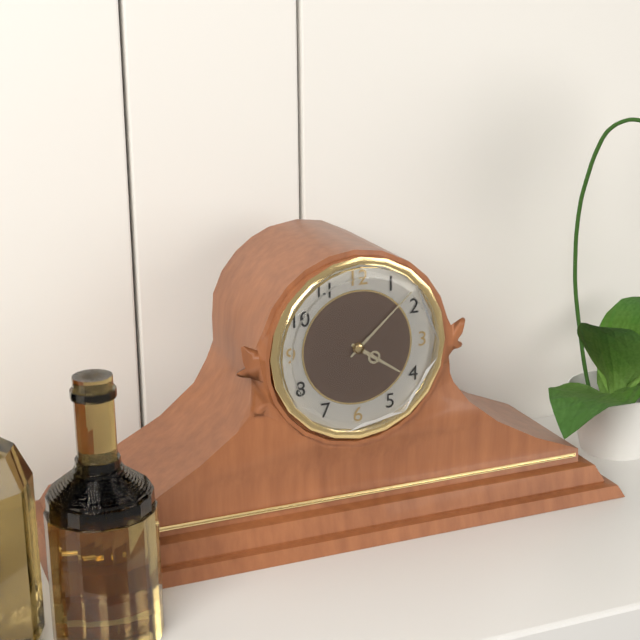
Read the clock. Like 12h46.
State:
4h08
